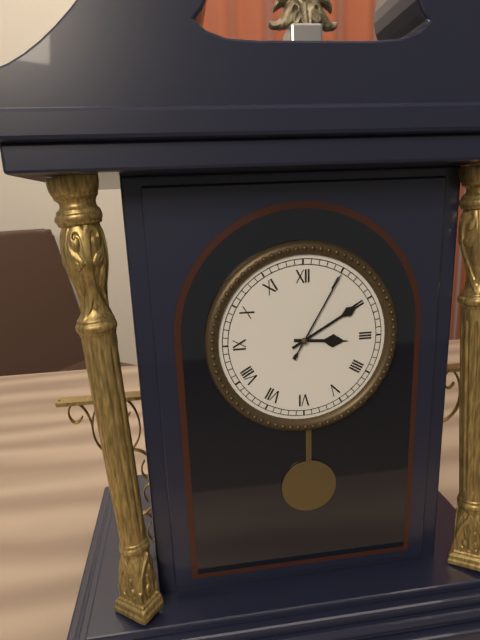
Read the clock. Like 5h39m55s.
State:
3h10m05s
